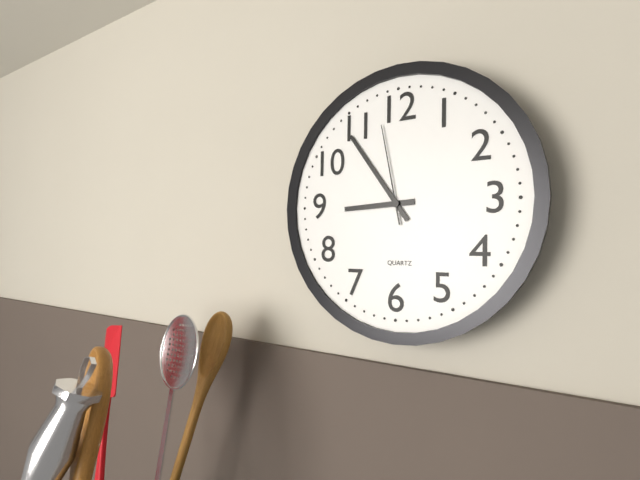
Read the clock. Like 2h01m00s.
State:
8h54m58s
